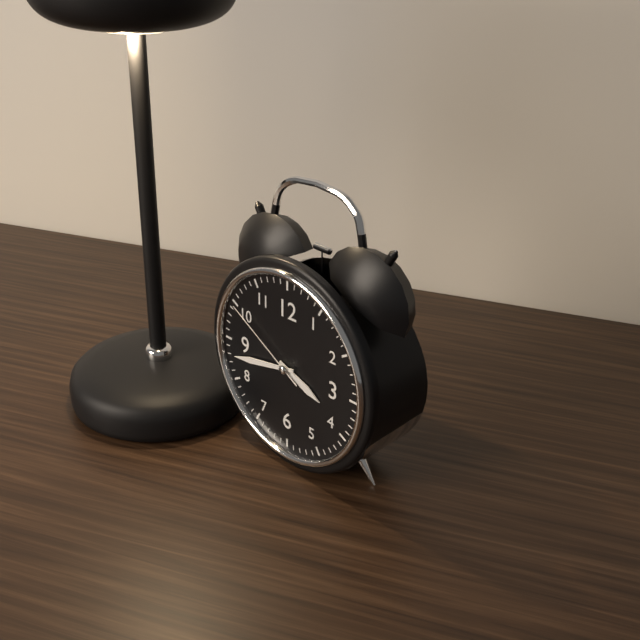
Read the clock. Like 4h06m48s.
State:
3h43m50s
